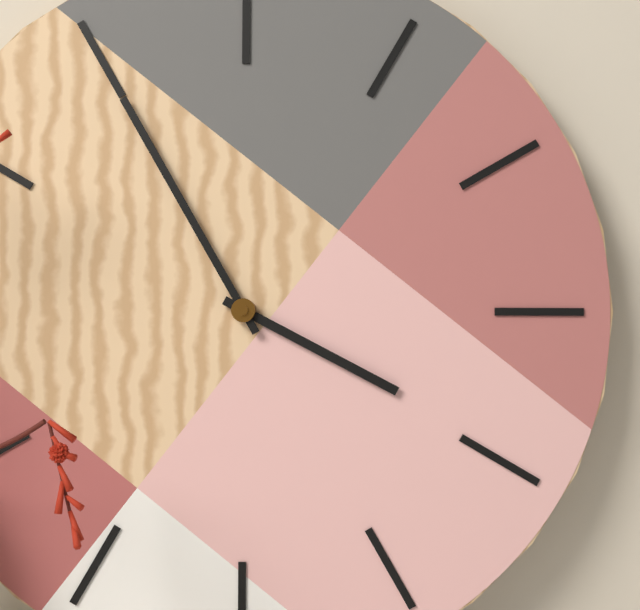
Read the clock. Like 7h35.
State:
3h55
